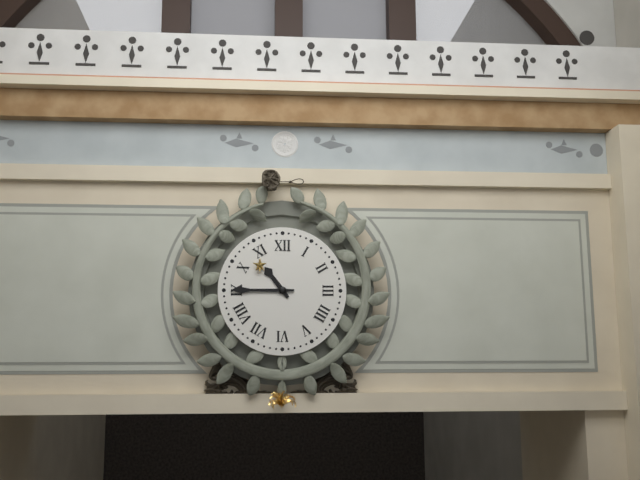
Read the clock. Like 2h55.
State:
10h45
